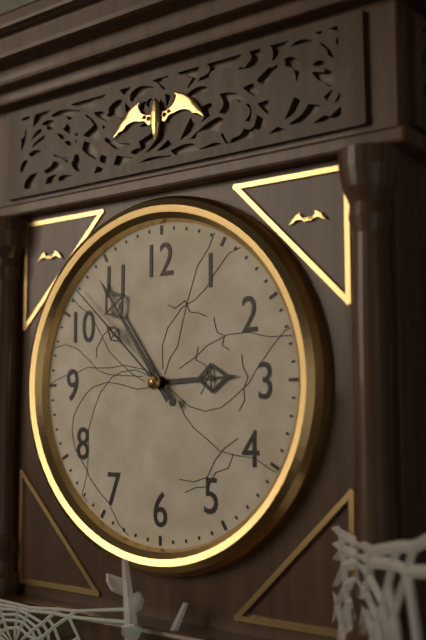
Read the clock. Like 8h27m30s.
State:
2h54m52s
